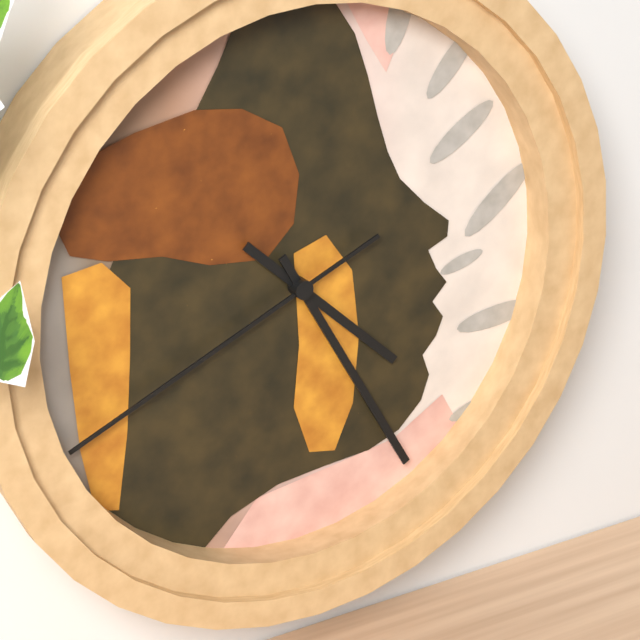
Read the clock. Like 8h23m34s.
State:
4h25m41s
